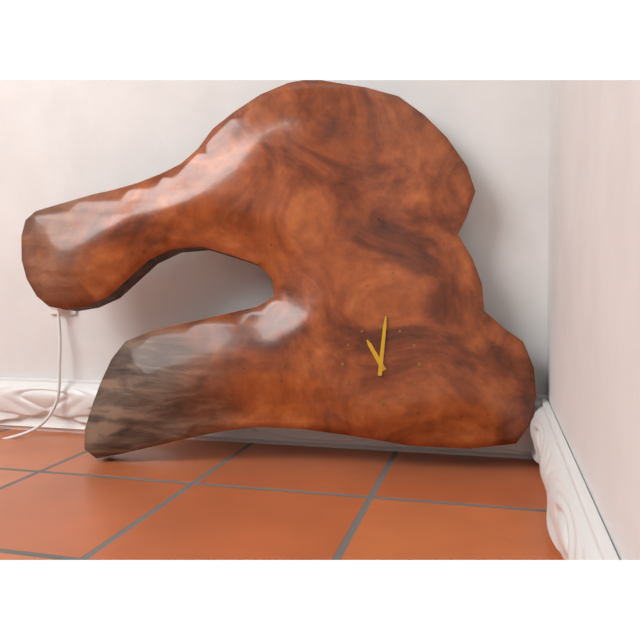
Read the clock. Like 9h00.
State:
11h01
